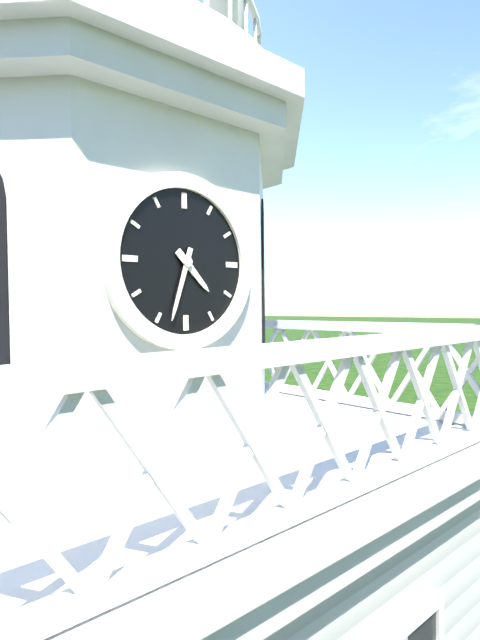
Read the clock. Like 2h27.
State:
4h33
